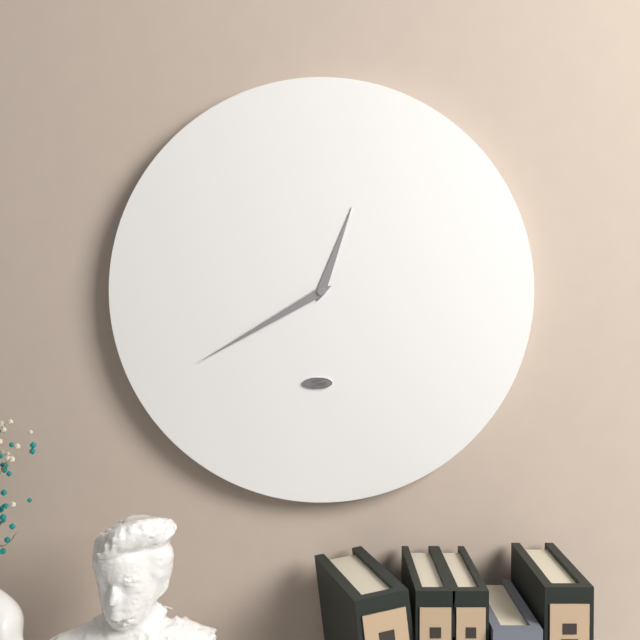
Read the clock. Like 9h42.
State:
12h40
